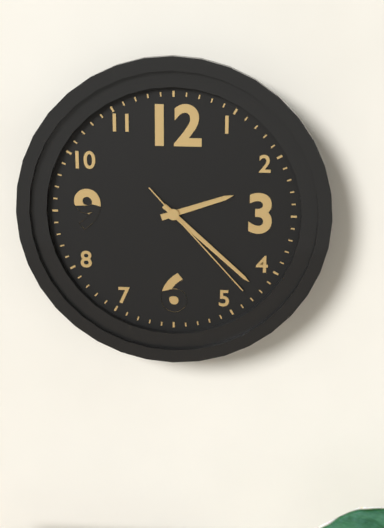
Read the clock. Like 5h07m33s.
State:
2h22m23s
